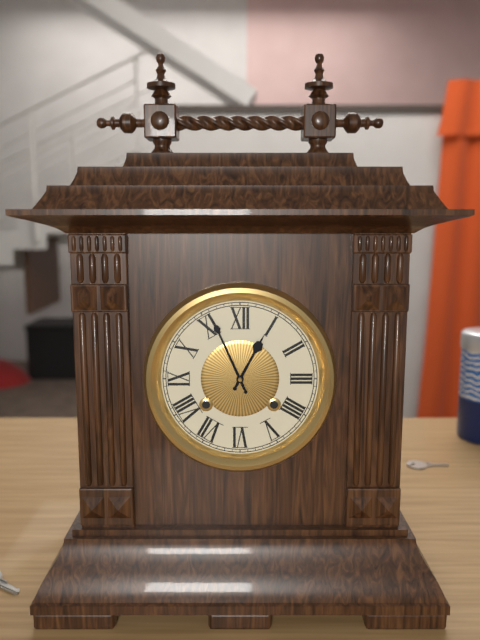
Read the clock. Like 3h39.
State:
12h56
